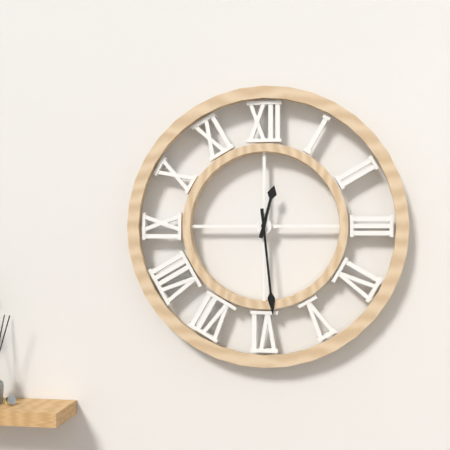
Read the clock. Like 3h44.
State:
12h29
